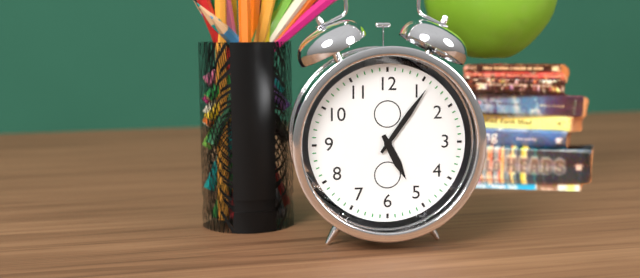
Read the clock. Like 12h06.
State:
5h06
